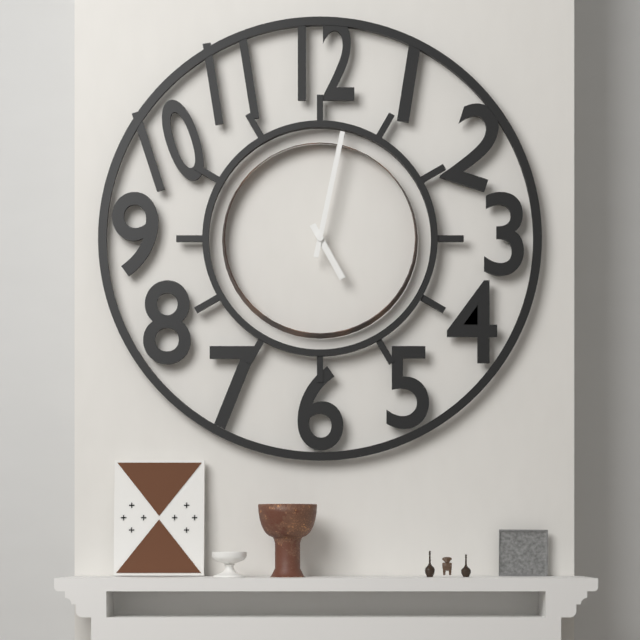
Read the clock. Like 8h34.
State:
5h02
